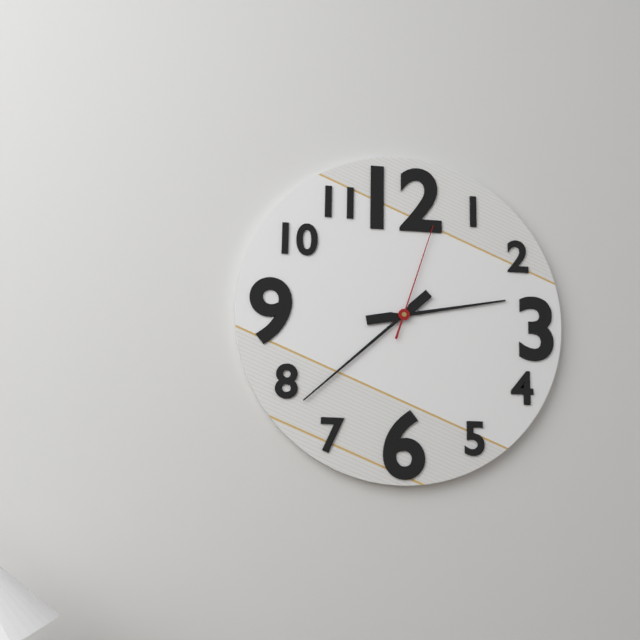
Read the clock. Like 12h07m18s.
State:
2h38m03s
